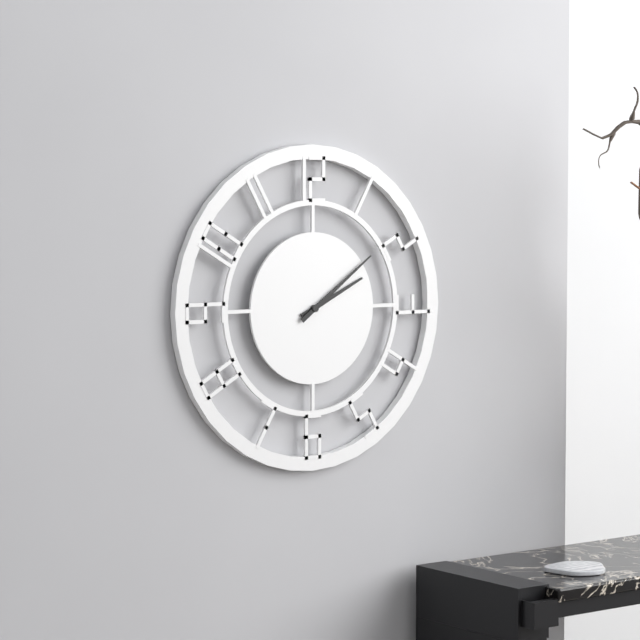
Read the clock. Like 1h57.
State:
2h09
